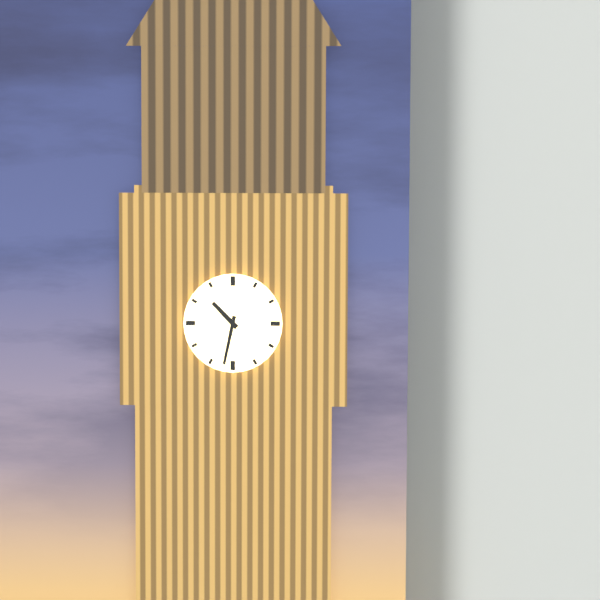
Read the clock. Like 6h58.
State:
10h32
